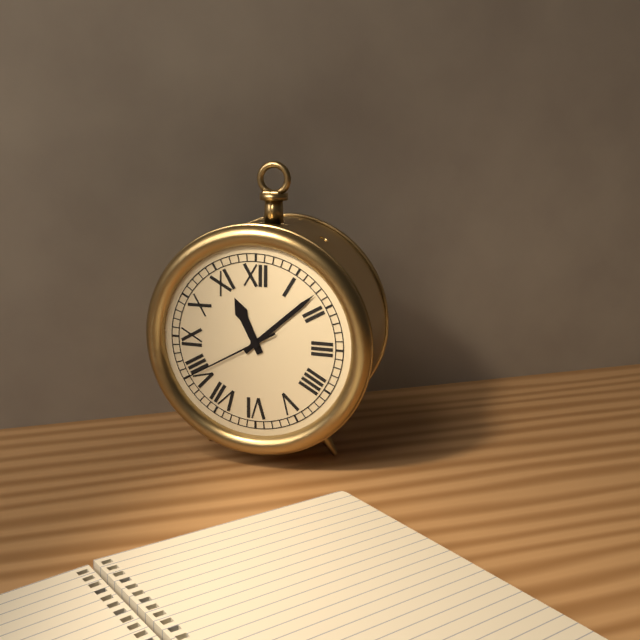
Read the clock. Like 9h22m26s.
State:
11h08m40s
